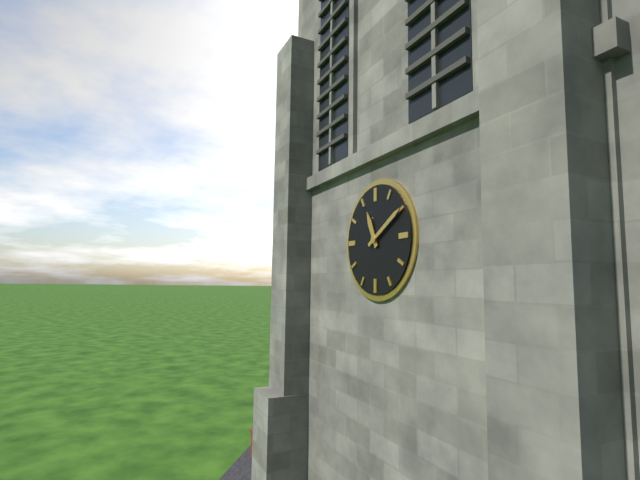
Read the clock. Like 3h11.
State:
11h10
